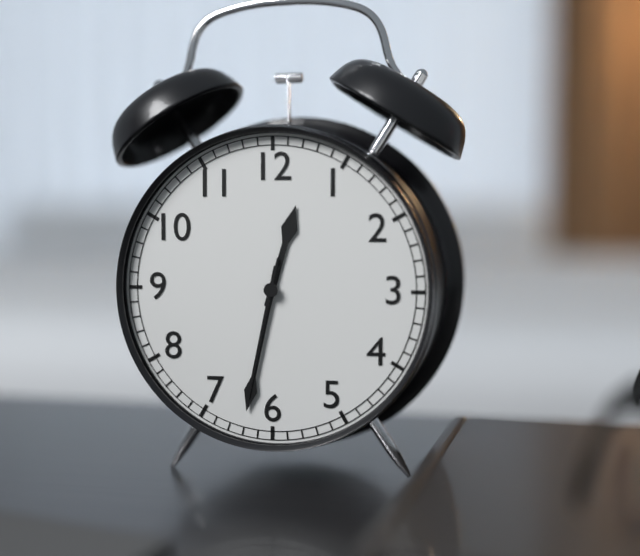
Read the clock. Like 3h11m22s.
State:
12h32m32s
